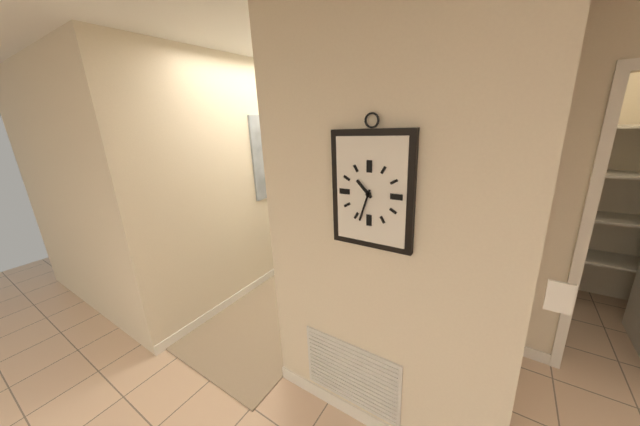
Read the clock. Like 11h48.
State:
10h33
